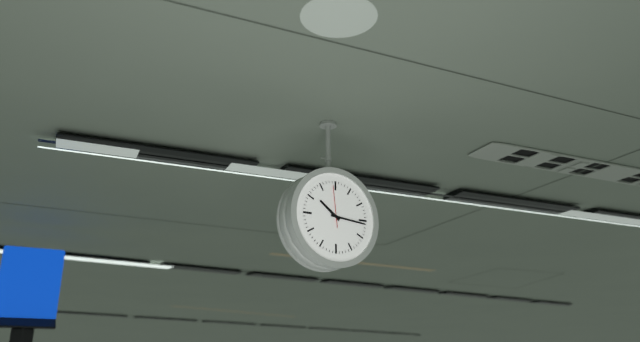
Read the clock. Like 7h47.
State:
10h16
